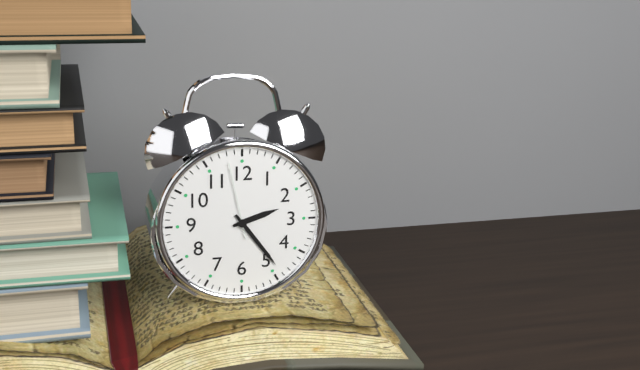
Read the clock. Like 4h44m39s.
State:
2h24m58s
